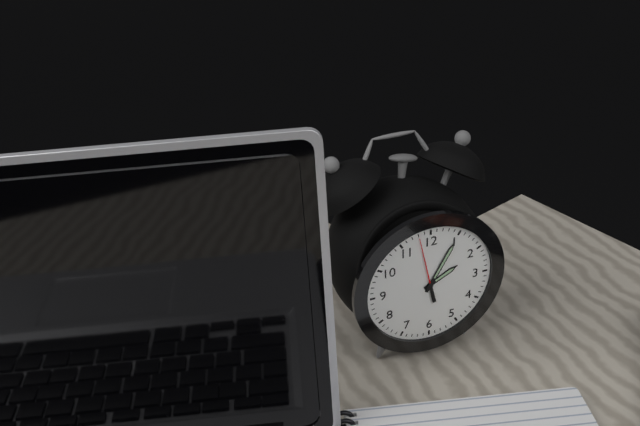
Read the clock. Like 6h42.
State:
2h05
